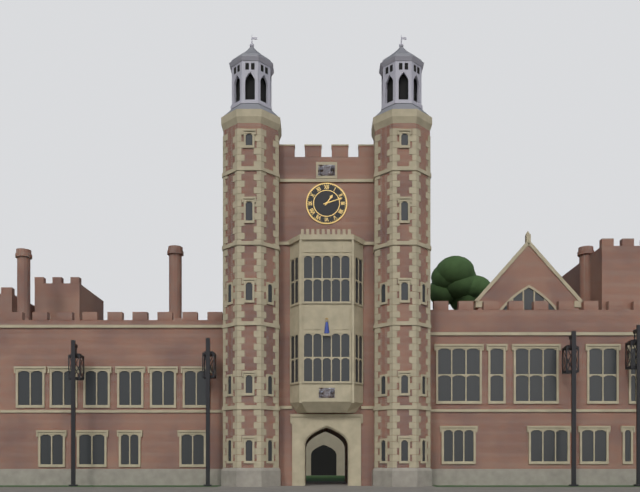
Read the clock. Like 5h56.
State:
1h12
